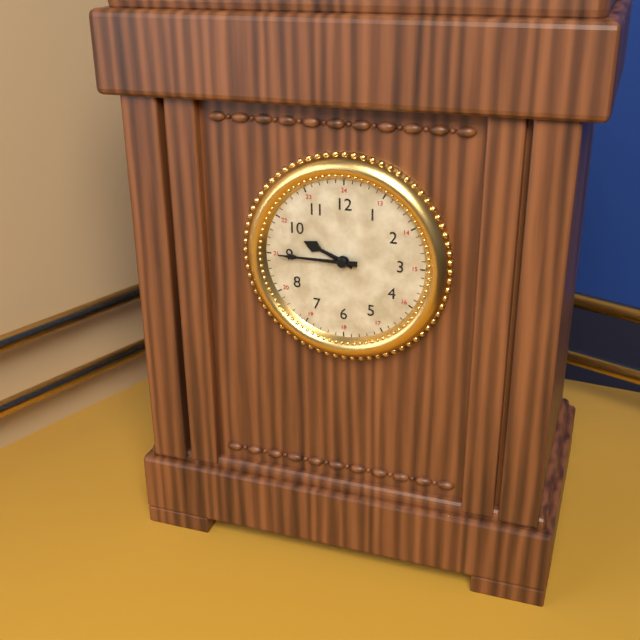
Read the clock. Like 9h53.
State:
9h45
